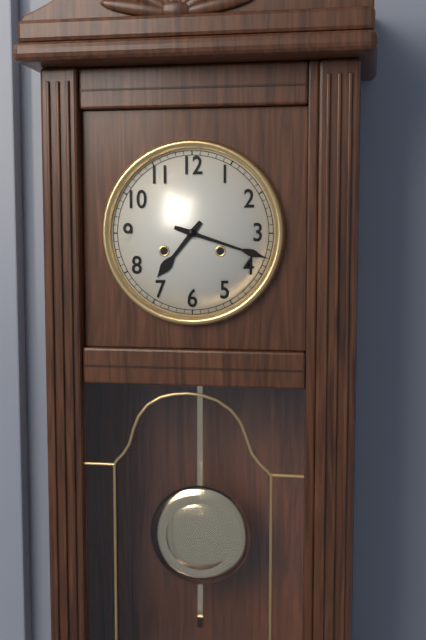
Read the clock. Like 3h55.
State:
7h18
